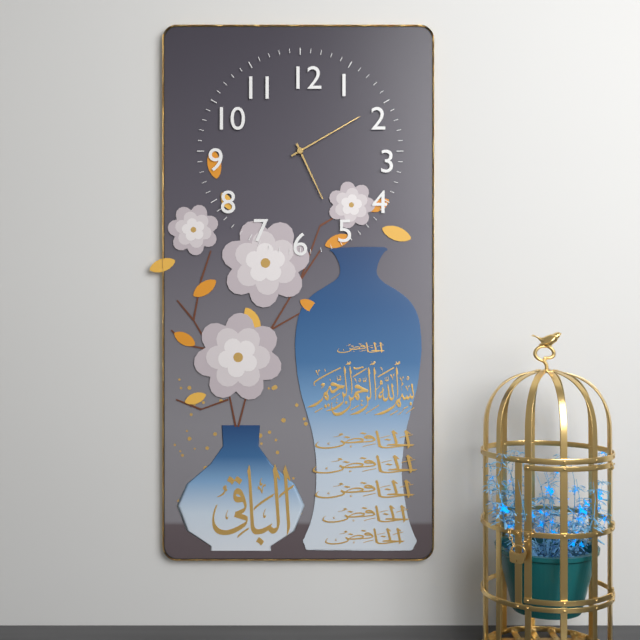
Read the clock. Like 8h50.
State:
5h10
